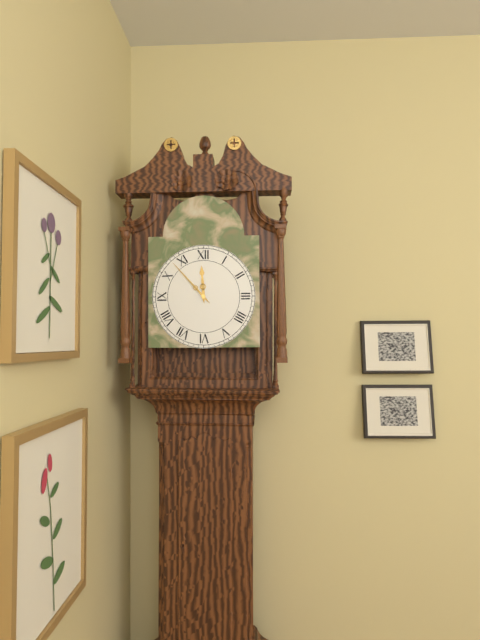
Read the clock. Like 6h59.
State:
11h53
